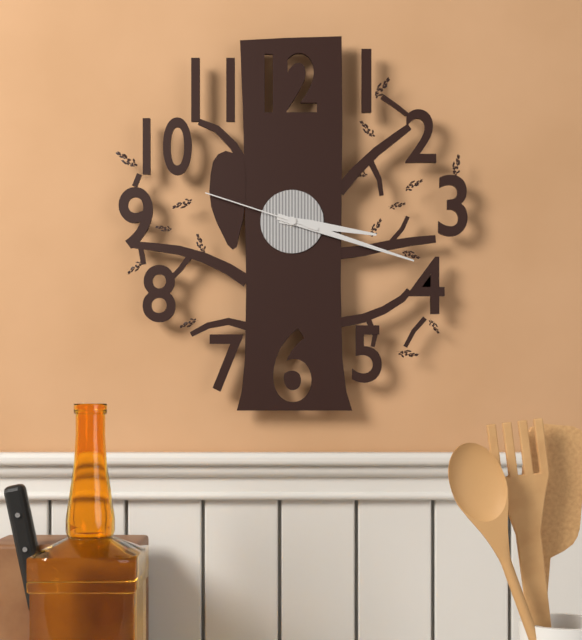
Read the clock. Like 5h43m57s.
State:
3h18m48s
